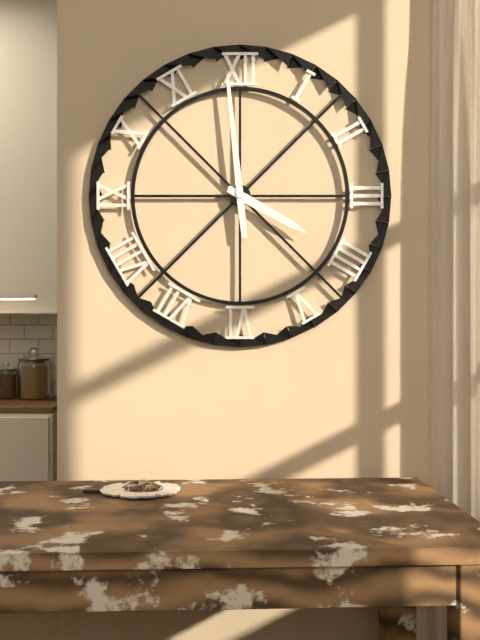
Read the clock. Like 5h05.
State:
3h59
